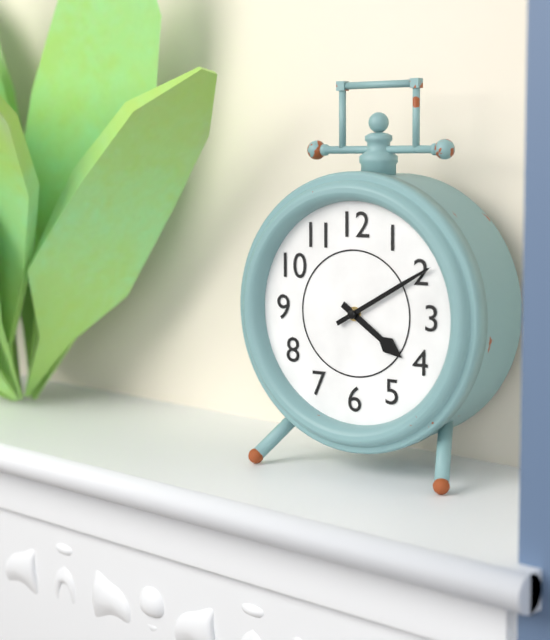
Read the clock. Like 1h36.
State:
4h10
